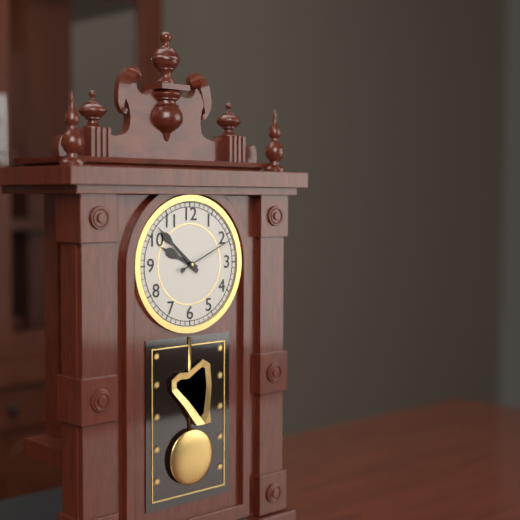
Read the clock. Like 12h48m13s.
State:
9h52m11s
